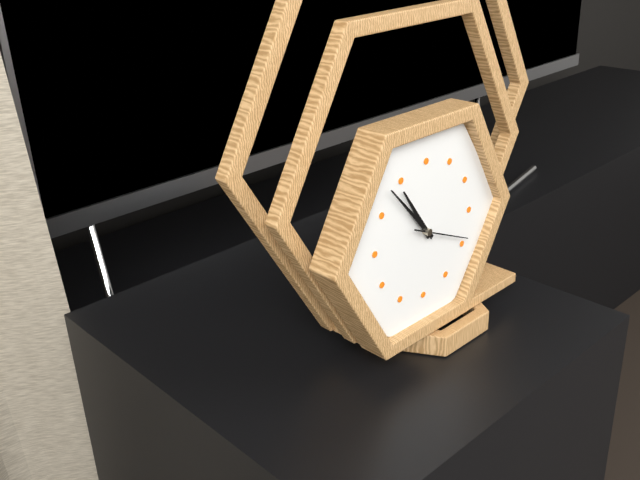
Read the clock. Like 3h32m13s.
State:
10h53m19s
